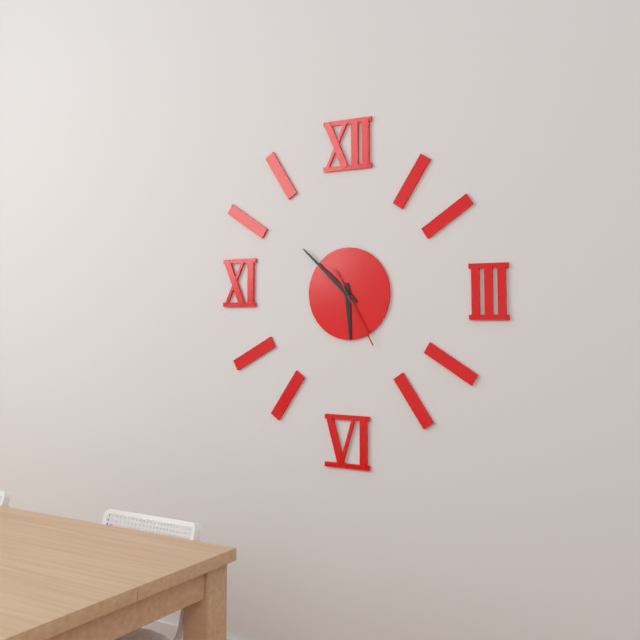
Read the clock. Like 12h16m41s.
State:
5h52m25s
